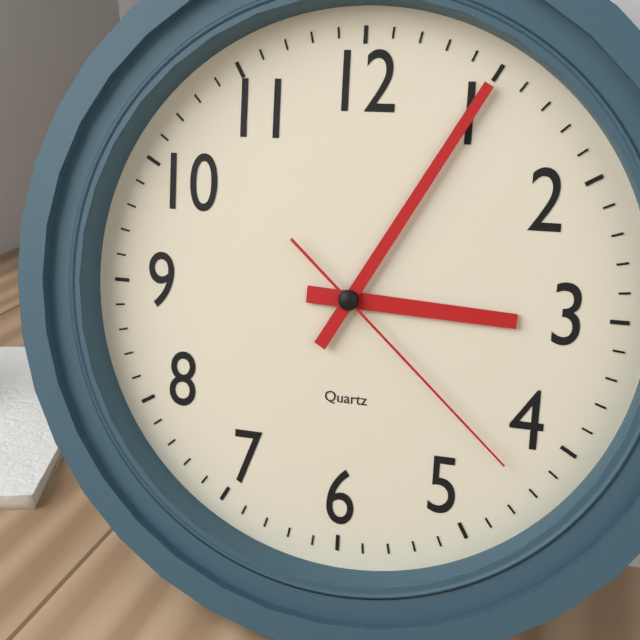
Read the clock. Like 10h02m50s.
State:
3h05m22s
